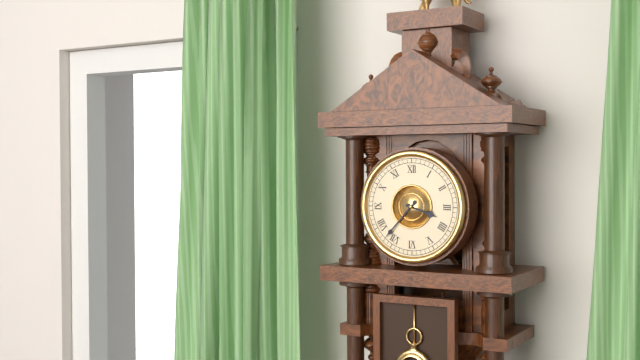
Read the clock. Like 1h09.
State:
3h37
